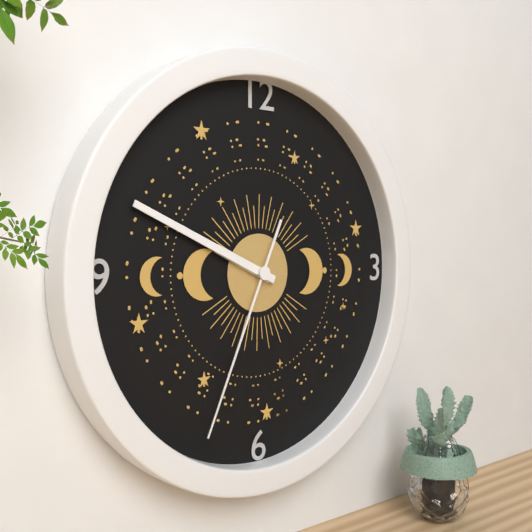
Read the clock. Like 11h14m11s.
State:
9h49m34s
